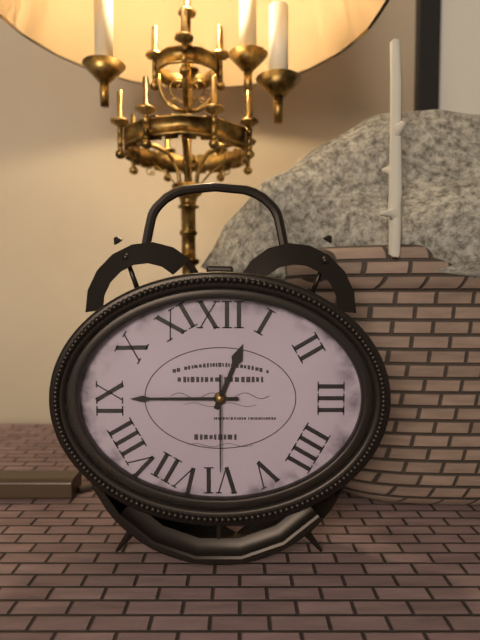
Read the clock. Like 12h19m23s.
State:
12h45m30s
